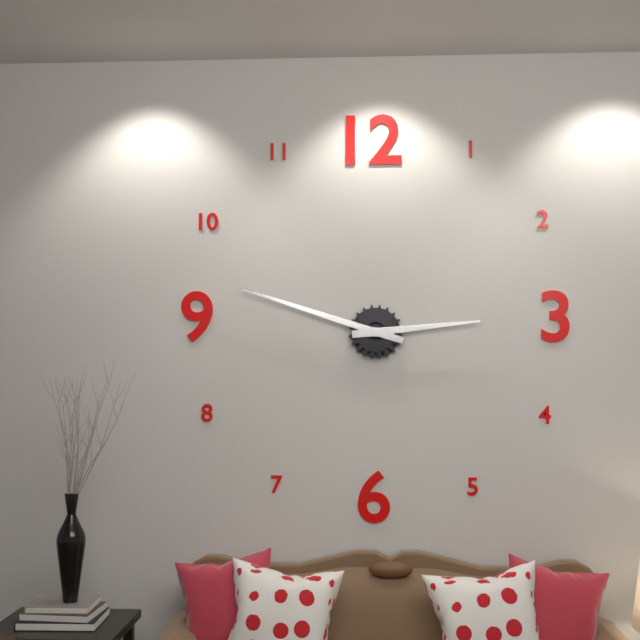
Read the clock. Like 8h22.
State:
2h48
